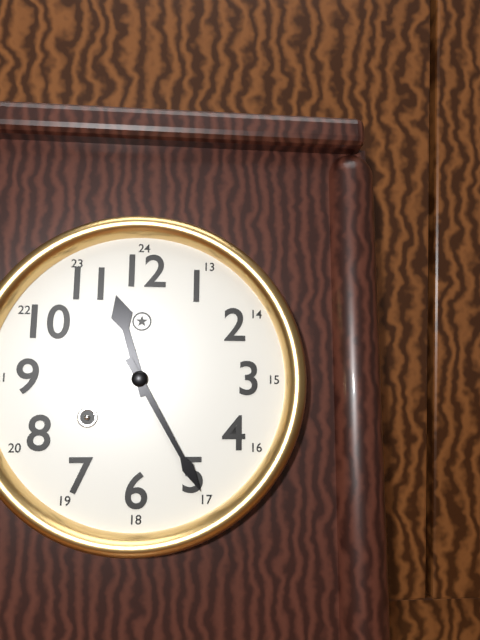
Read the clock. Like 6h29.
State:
11h25
